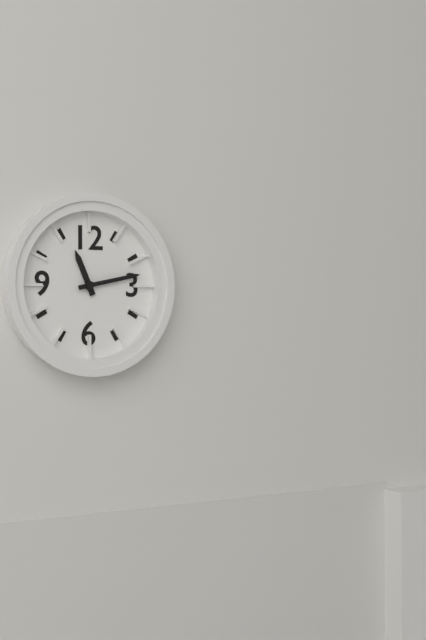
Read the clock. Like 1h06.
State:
11h13
